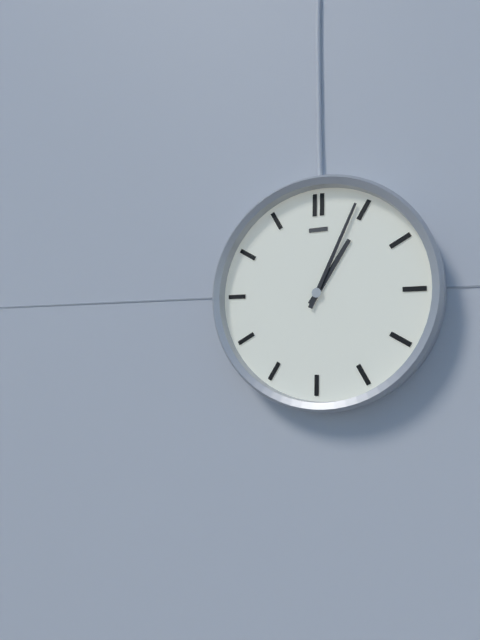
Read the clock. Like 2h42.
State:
1h04
